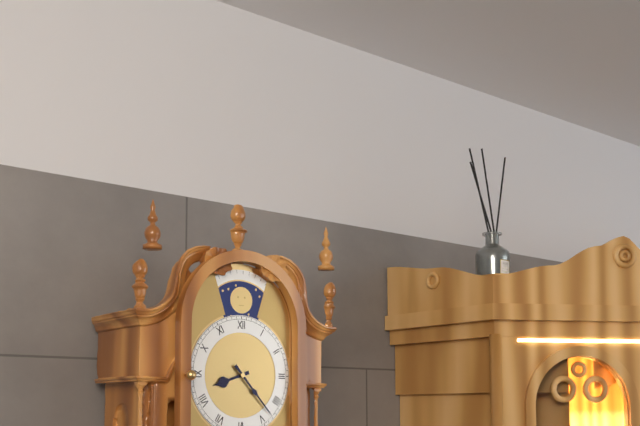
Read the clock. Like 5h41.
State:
8h23
